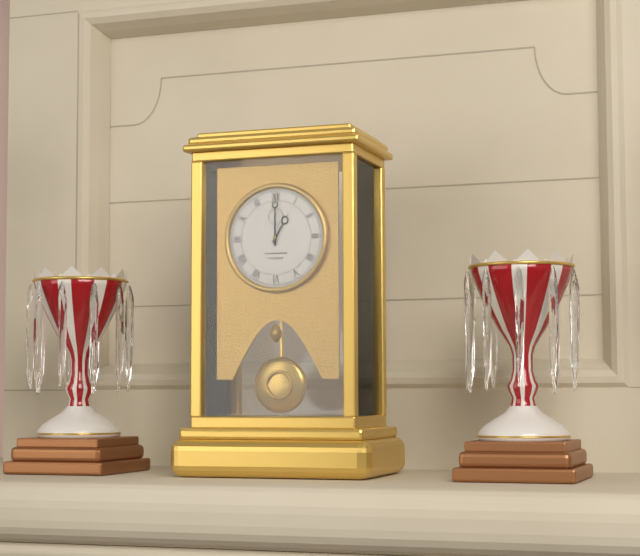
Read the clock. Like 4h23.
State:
1h00
